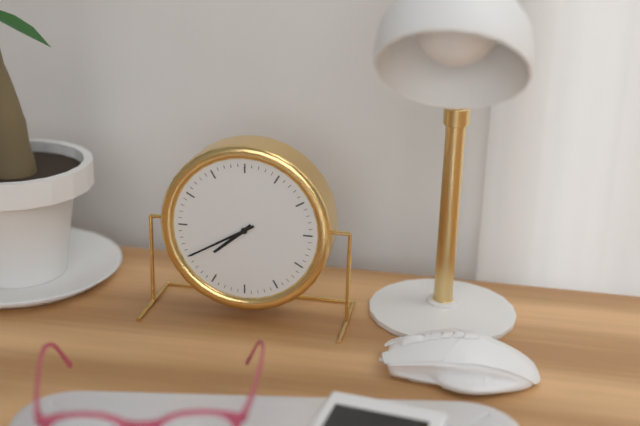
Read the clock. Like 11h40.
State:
7h40
